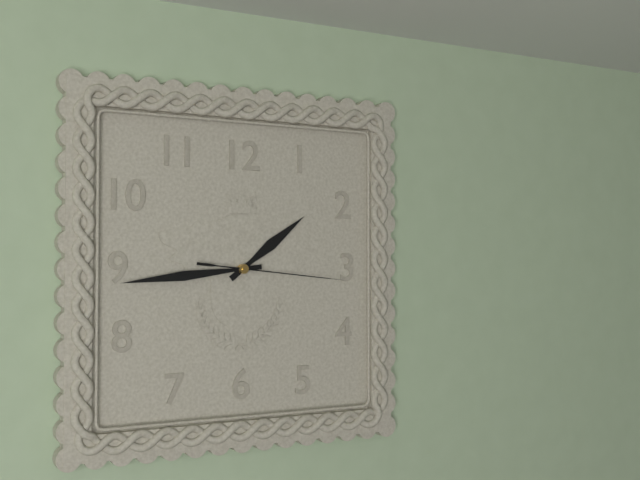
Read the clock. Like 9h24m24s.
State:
1h44m16s
